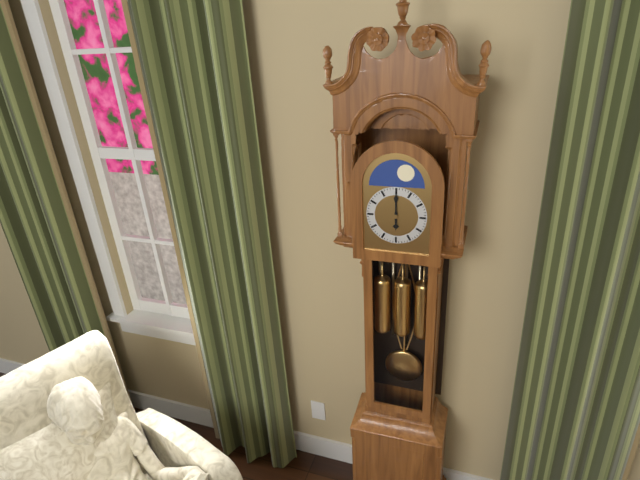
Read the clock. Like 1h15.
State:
6h00
